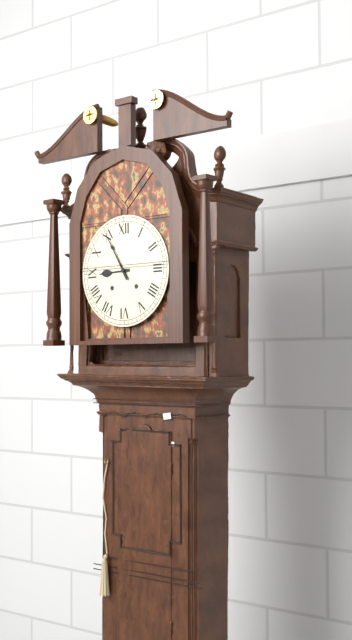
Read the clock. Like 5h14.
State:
8h55
